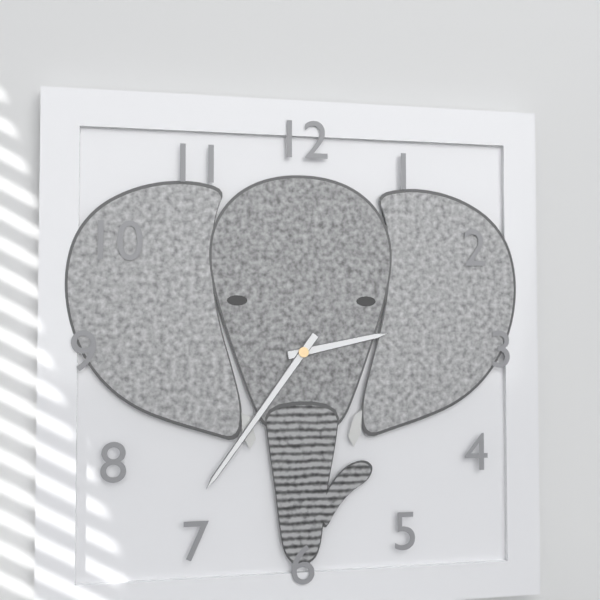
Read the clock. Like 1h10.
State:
2h36
